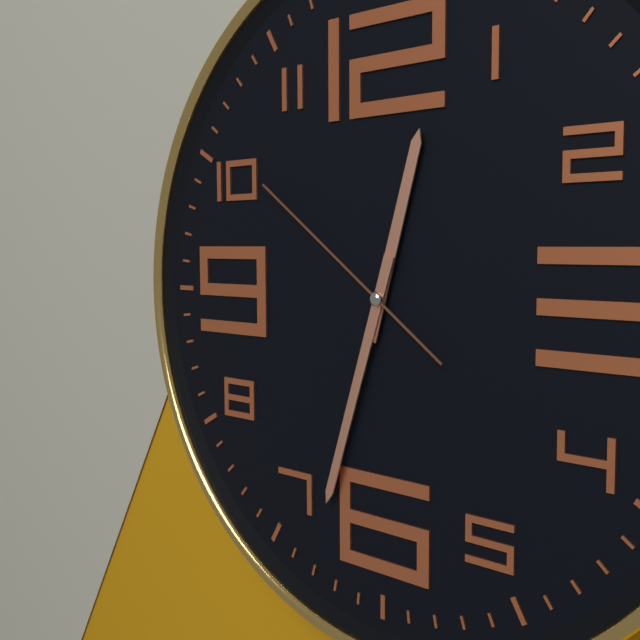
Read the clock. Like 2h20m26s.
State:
12h33m51s
